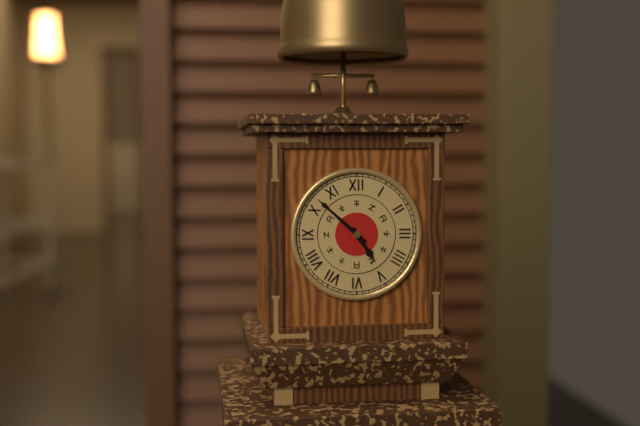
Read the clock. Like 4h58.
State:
4h52
